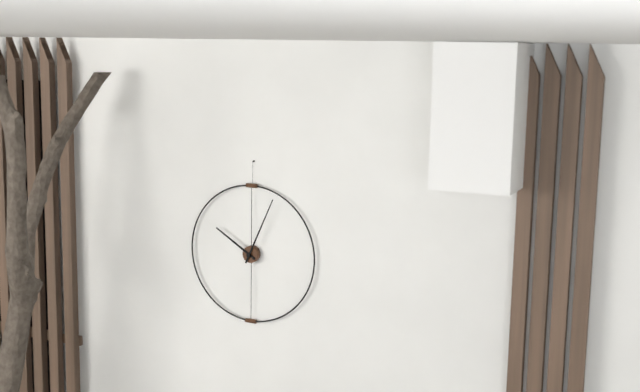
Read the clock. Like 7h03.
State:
10h04
